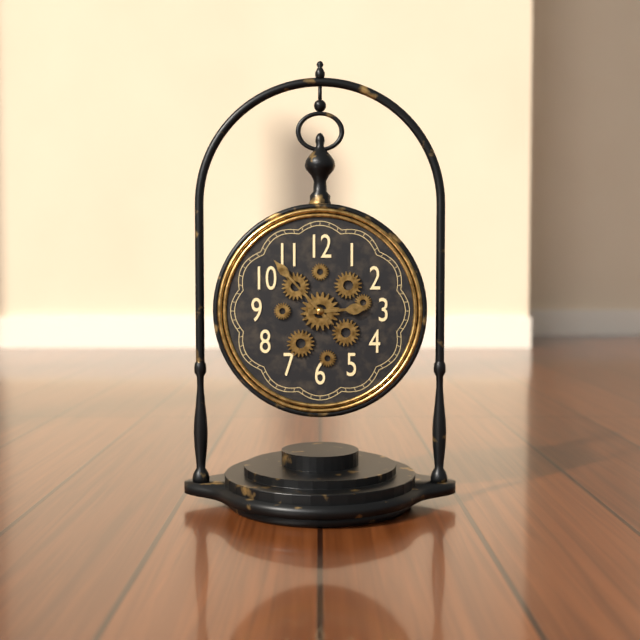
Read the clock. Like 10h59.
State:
2h53
